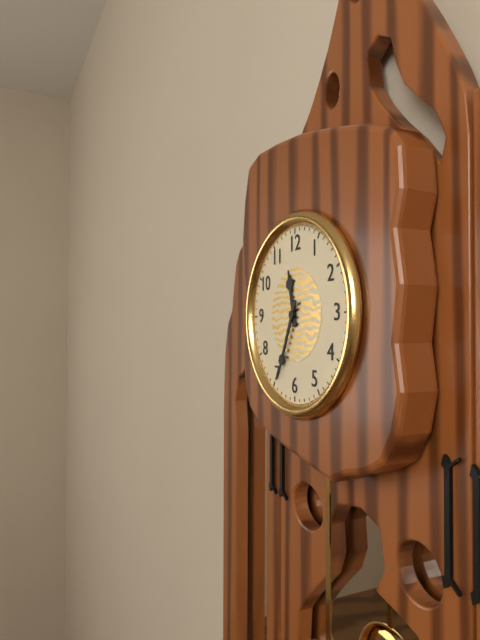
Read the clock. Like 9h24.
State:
11h34
